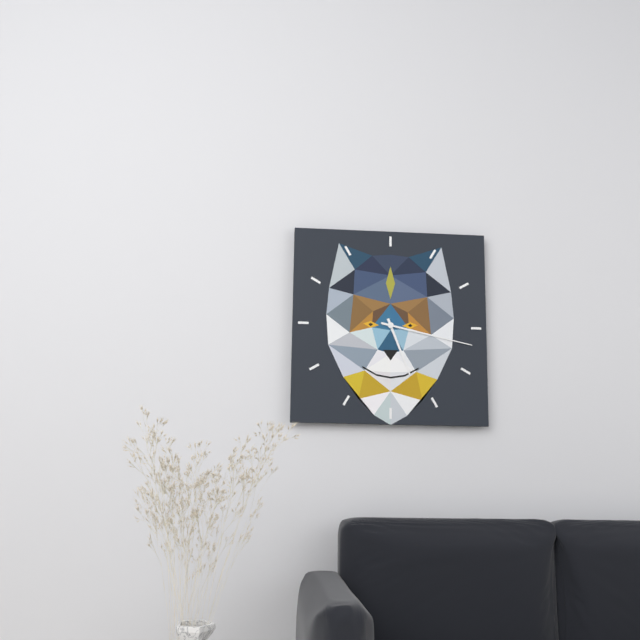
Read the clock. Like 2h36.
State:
5h17
